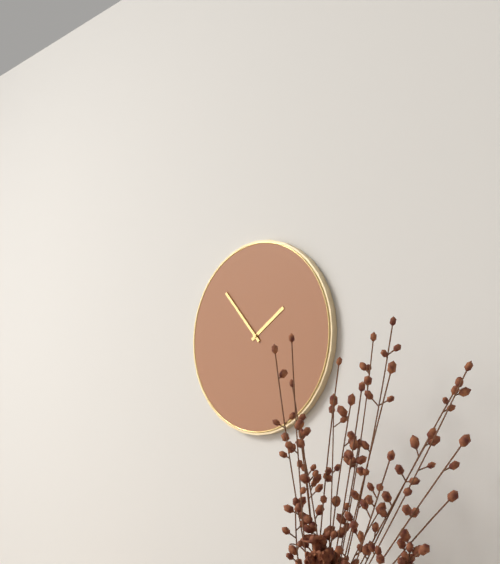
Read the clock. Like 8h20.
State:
1h53
